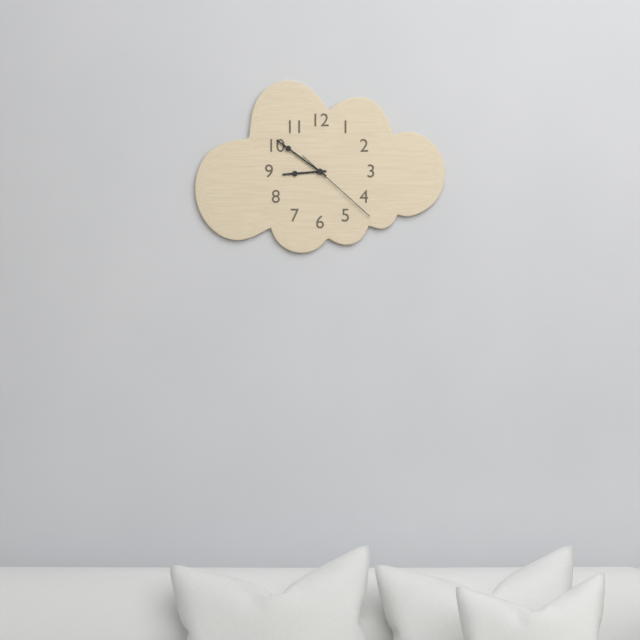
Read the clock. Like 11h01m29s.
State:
8h51m22s
